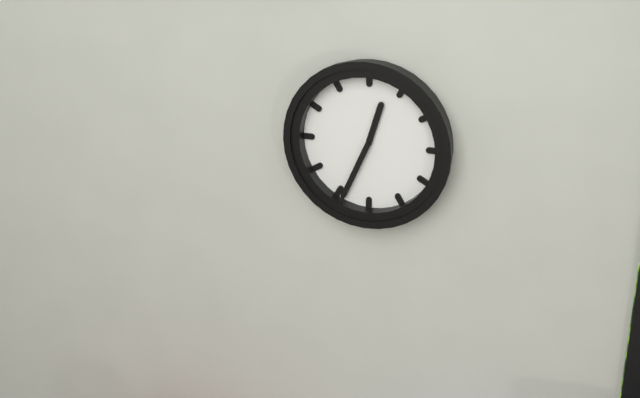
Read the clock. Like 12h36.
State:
12h34
